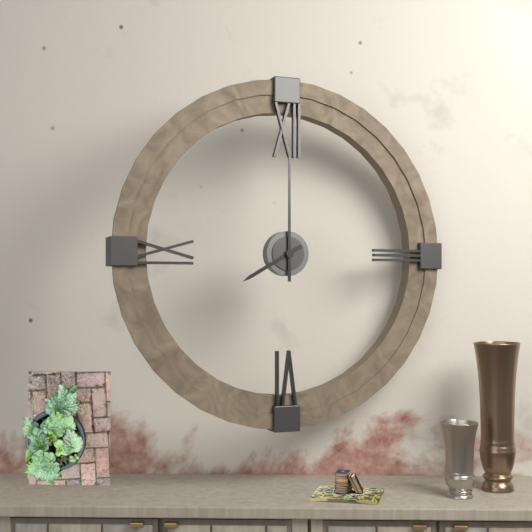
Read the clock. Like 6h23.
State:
8h00
